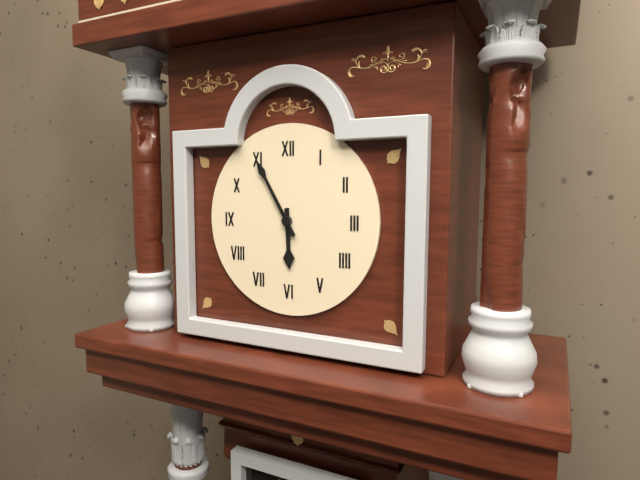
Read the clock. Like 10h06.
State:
5h55
